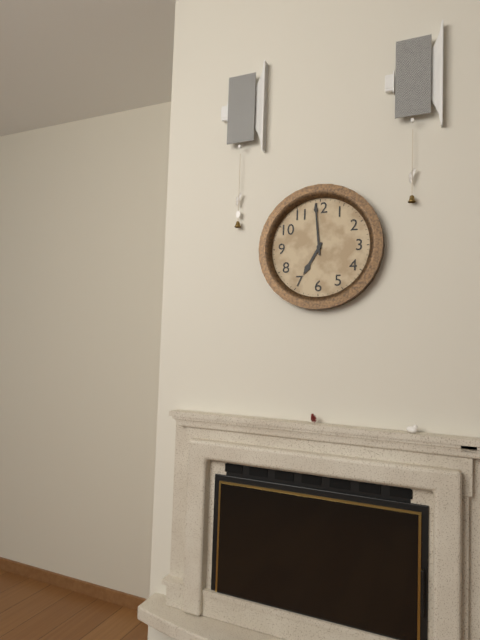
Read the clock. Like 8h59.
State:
6h59
